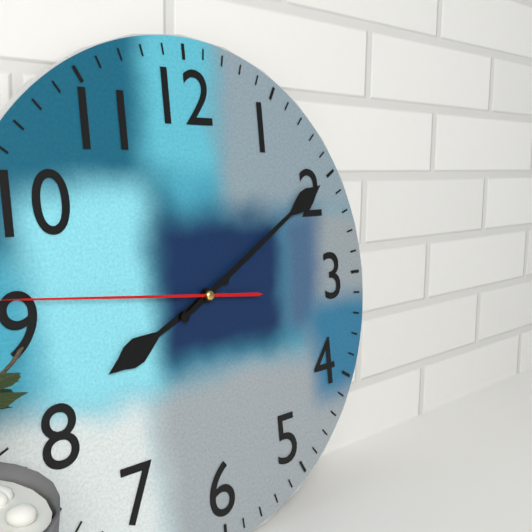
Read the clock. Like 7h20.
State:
8h10
